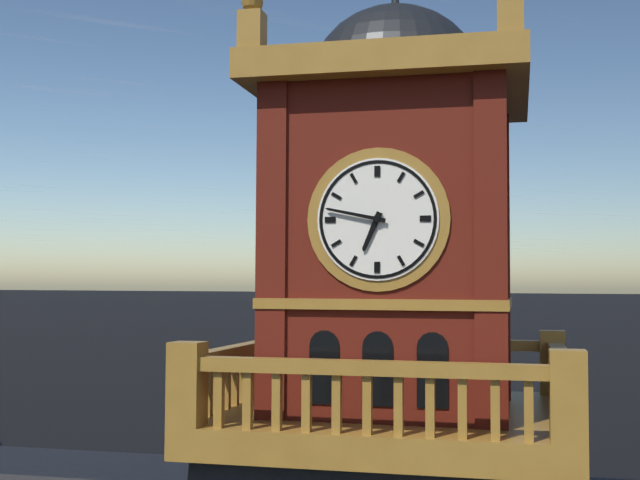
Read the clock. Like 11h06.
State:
6h47
